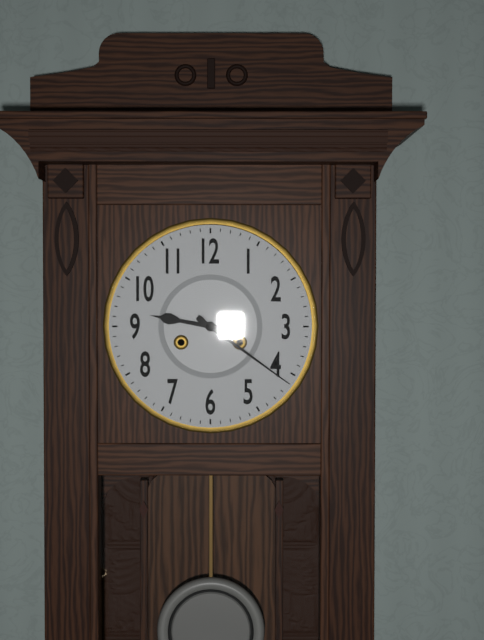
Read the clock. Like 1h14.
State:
9h21
